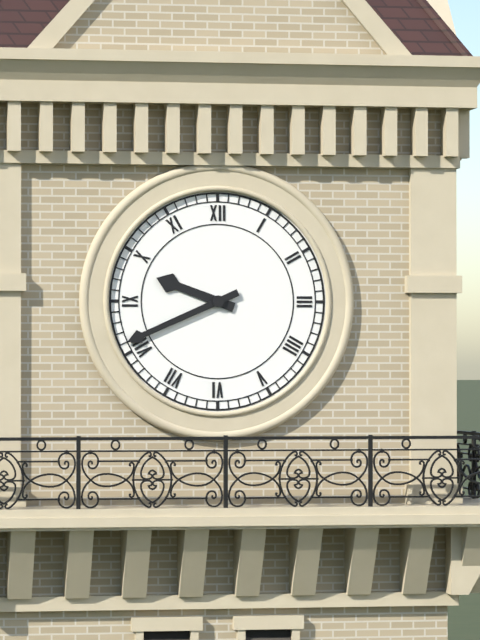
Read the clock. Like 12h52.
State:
9h41
